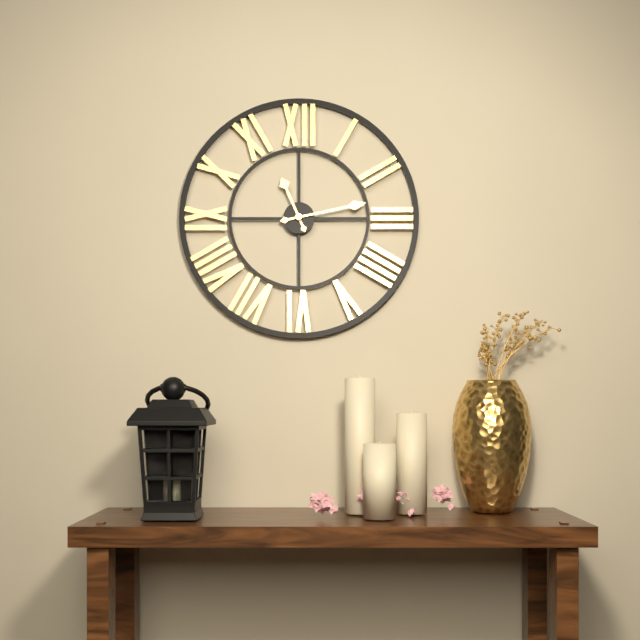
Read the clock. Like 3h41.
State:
11h13
